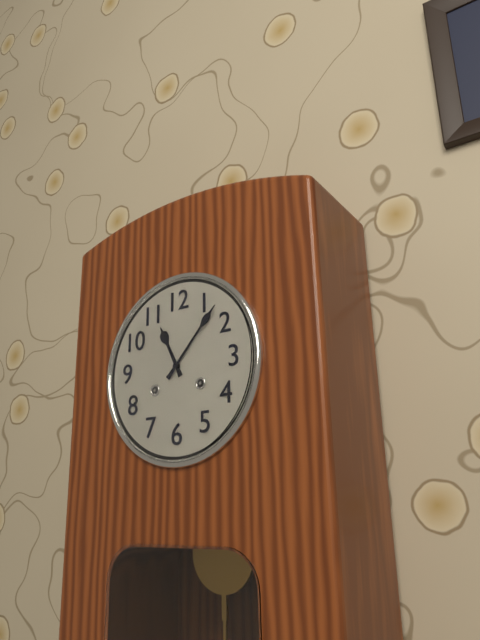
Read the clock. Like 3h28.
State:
11h07
